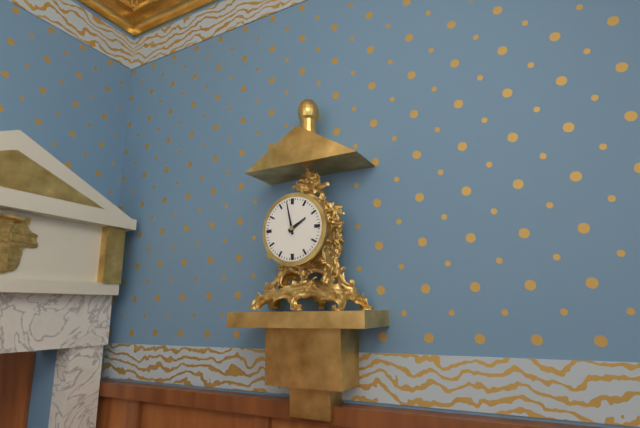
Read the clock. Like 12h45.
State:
1h58
